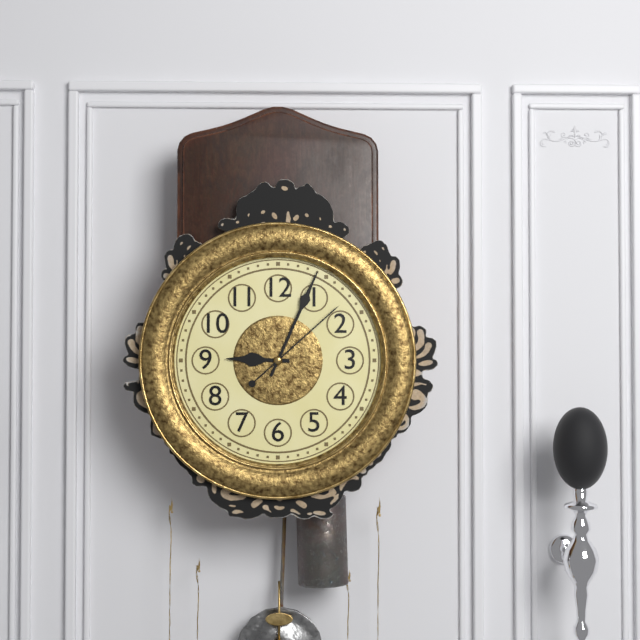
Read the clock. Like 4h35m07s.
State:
9h04m08s
